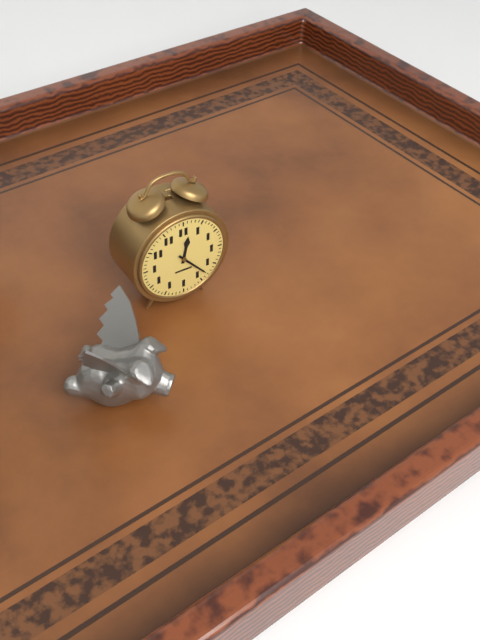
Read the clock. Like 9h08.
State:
12h23
